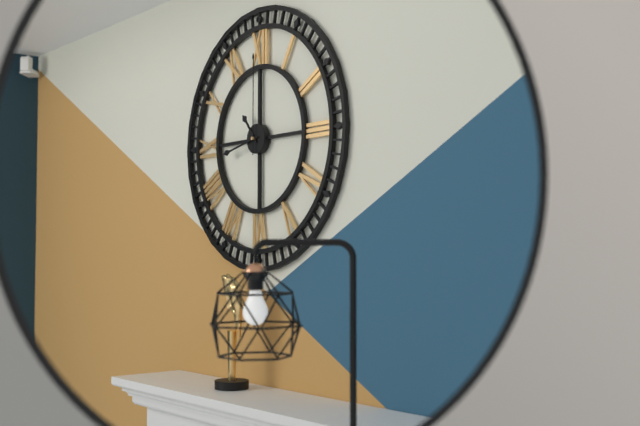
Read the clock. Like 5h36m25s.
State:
10h43m00s
